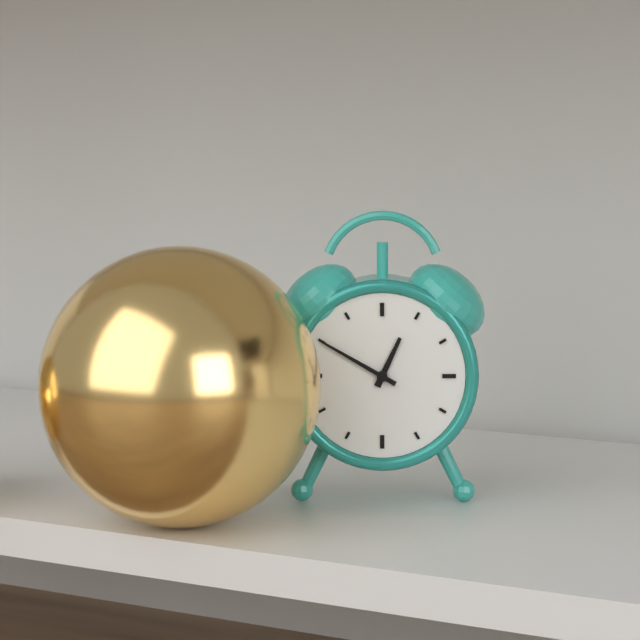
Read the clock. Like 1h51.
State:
12h50
